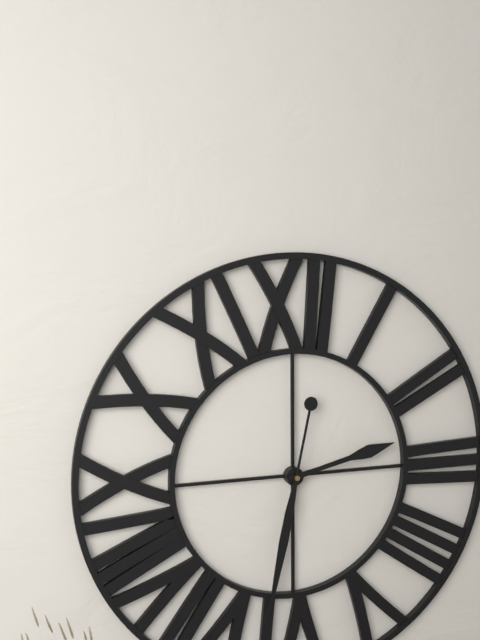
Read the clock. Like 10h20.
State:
2h32
